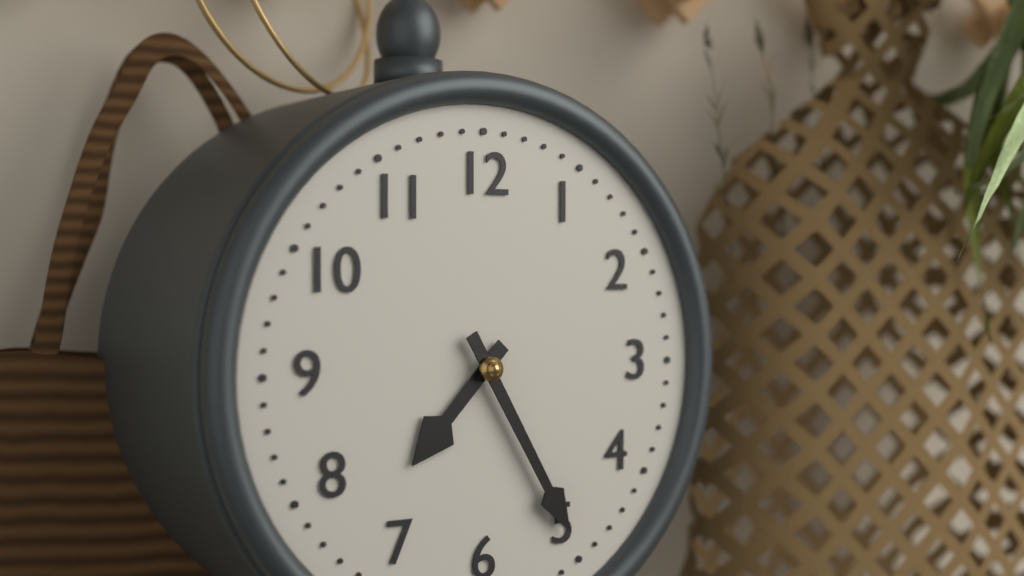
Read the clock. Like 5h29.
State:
7h25
